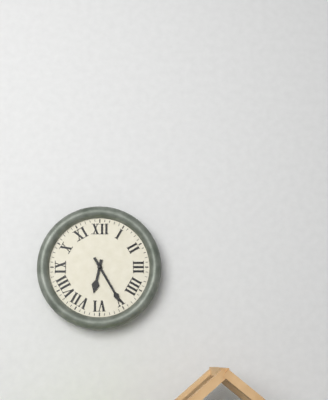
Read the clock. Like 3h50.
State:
6h25
